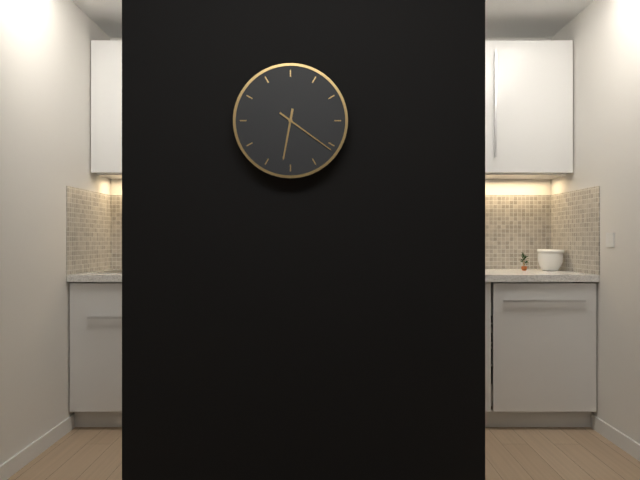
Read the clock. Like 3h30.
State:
6h21
